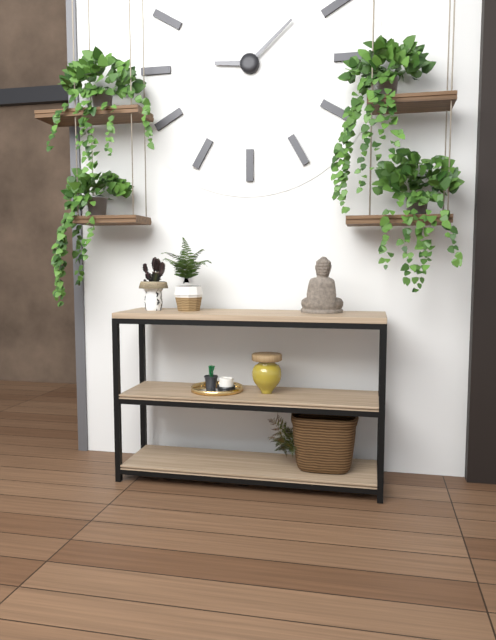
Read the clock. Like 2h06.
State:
9h08
